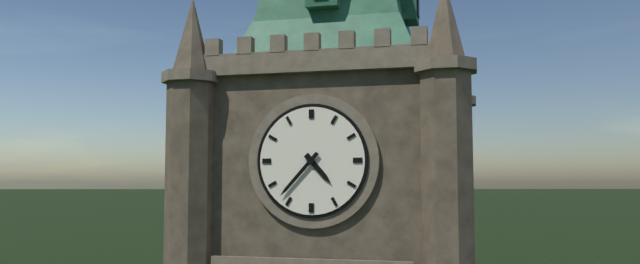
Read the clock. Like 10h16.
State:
4h37
